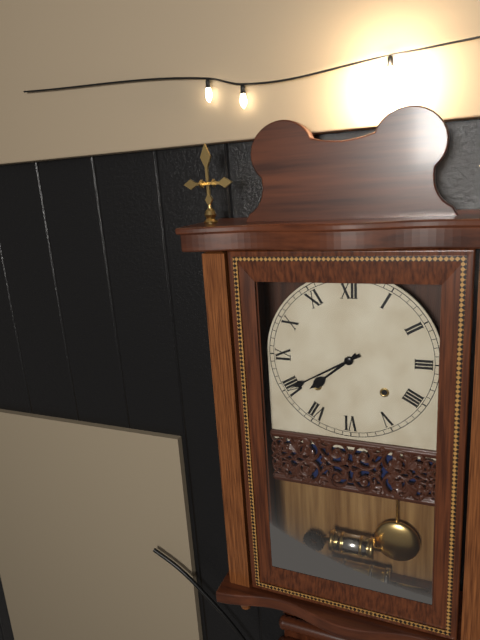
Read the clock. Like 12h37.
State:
7h40
